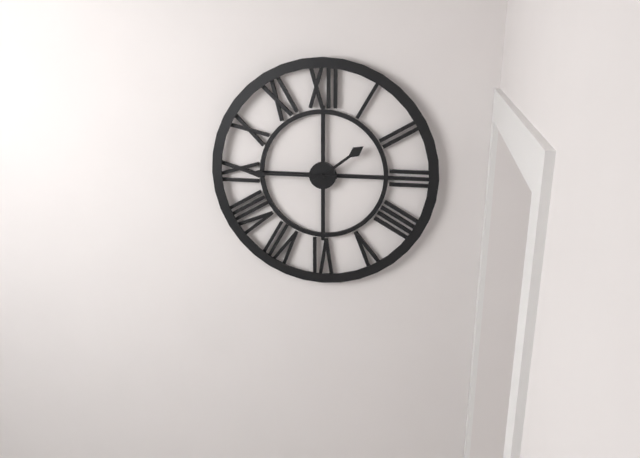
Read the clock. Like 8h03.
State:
1h45
